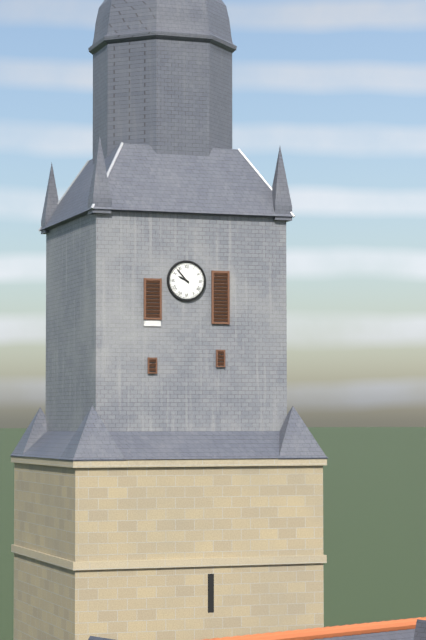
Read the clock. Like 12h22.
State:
9h53
